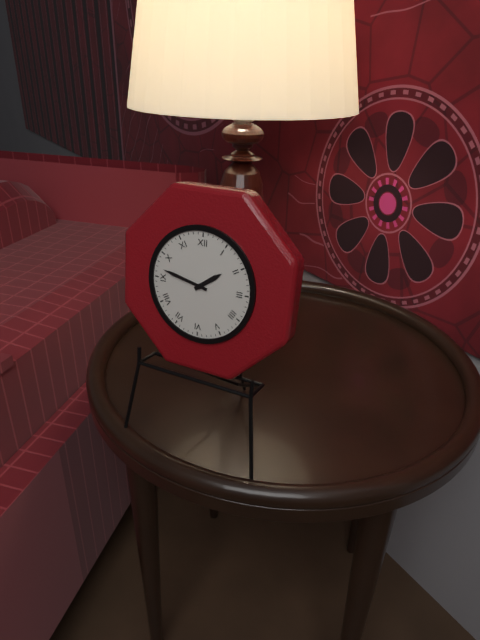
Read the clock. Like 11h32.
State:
1h47
